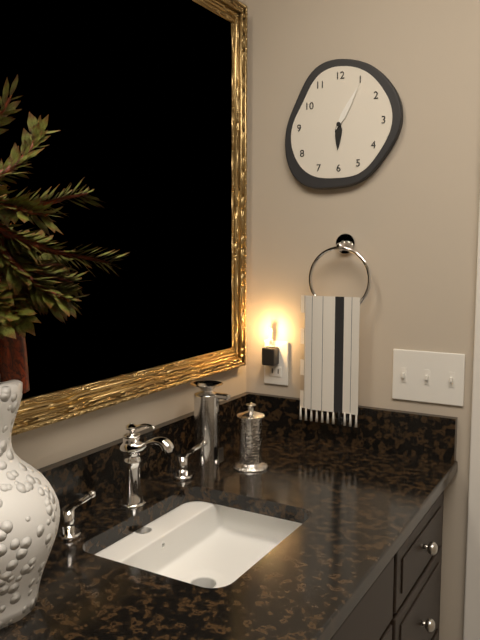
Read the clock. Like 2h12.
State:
6h05
